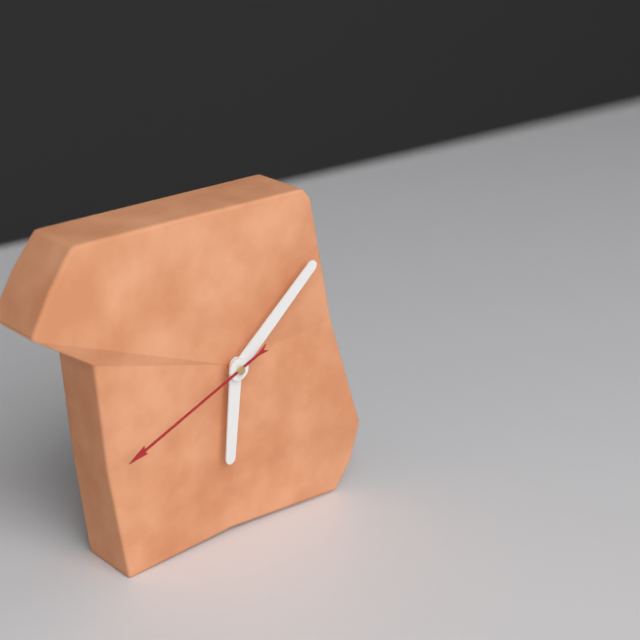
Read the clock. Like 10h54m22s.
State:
6h08m41s
